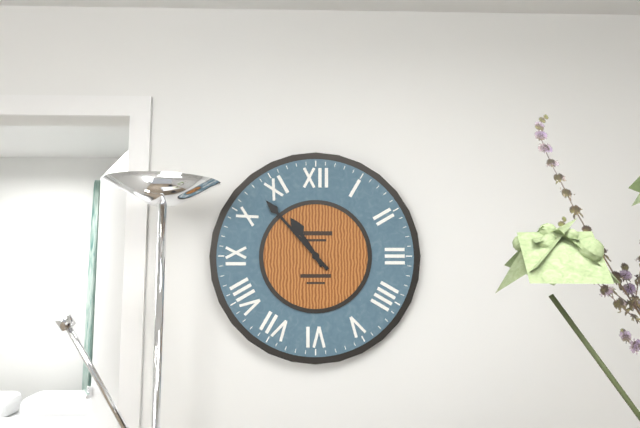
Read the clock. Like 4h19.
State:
10h53
